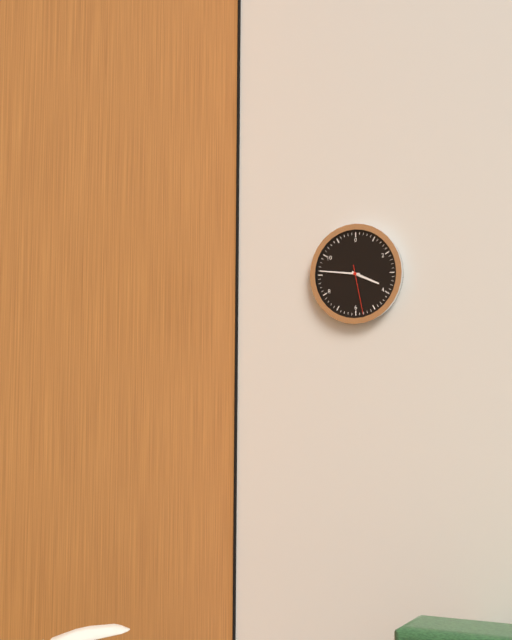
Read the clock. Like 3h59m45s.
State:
3h46m28s
